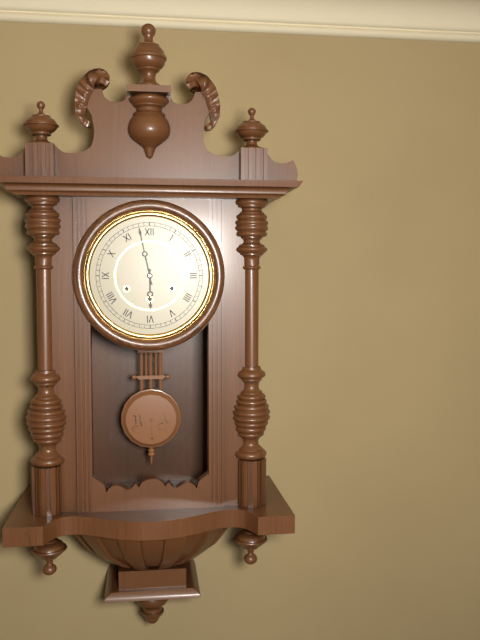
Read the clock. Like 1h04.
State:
5h58
